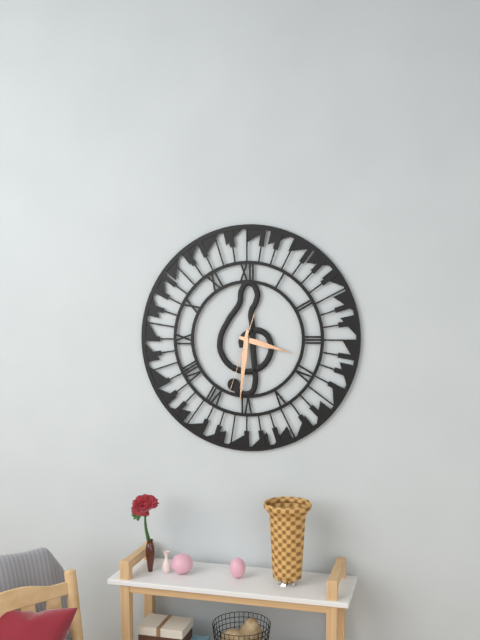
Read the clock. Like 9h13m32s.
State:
3h31m33s
